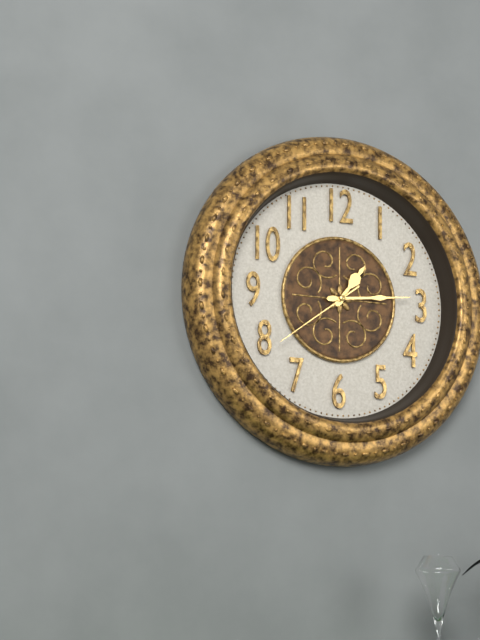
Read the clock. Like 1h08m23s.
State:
1h14m39s
